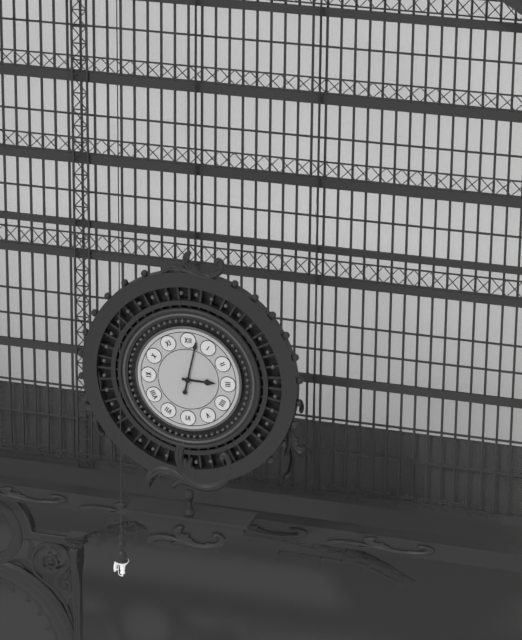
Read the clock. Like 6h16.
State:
3h02
